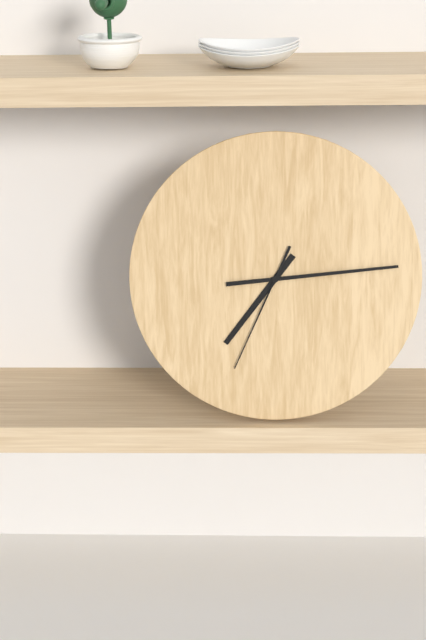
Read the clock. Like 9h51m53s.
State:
7h14m34s
